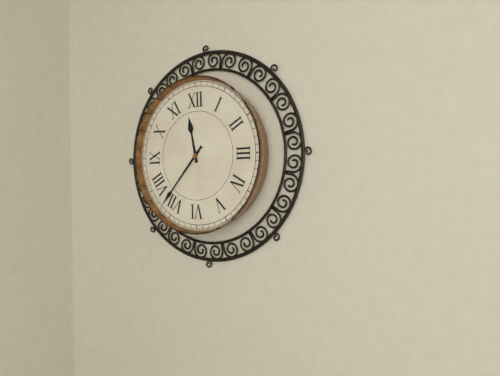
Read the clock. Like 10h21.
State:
11h37
